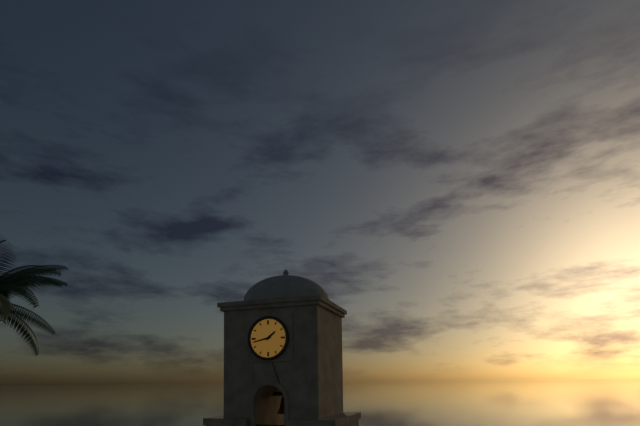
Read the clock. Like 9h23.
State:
1h43
